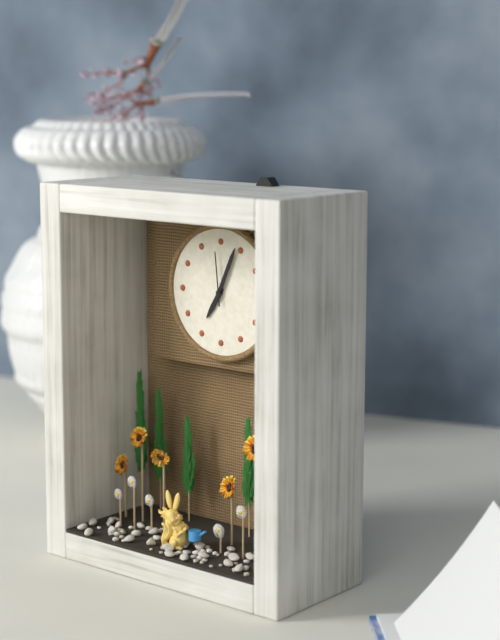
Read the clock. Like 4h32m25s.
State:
7h04m59s
